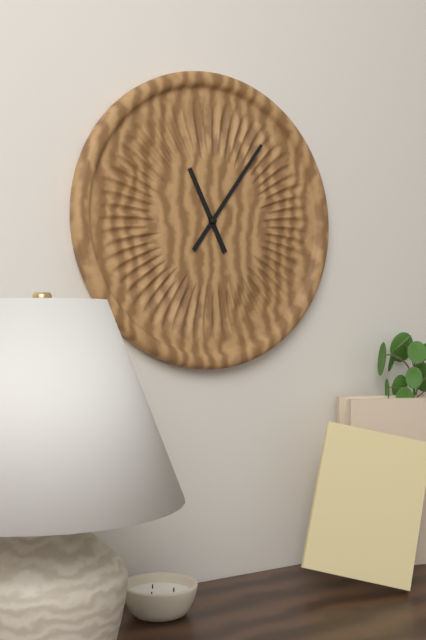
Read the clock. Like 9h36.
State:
11h06
